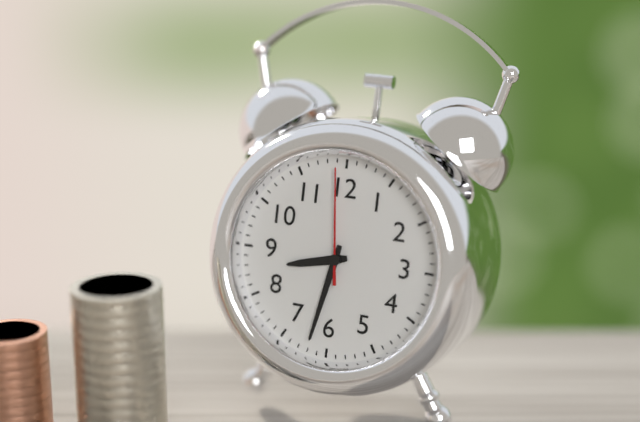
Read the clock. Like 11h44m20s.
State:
8h32m59s
